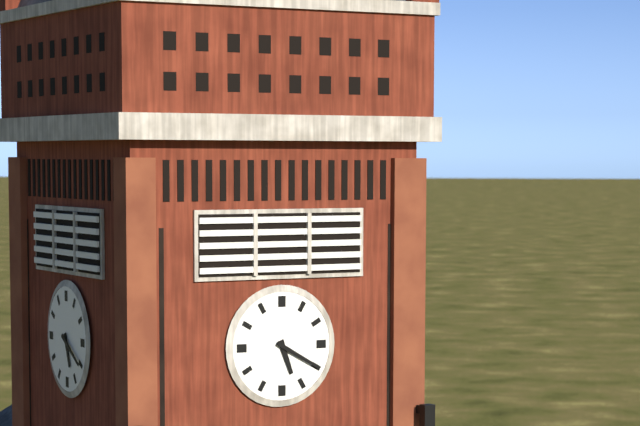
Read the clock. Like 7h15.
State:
5h20
